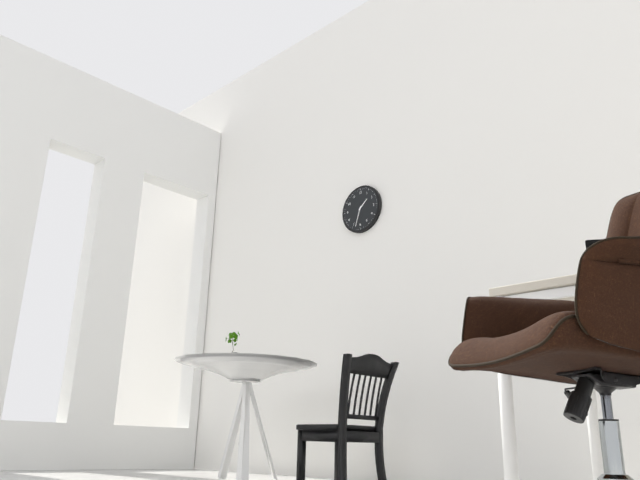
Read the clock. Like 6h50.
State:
1h33
